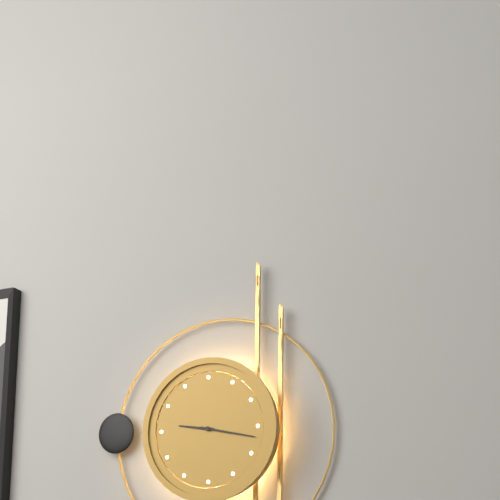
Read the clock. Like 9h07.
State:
9h17
